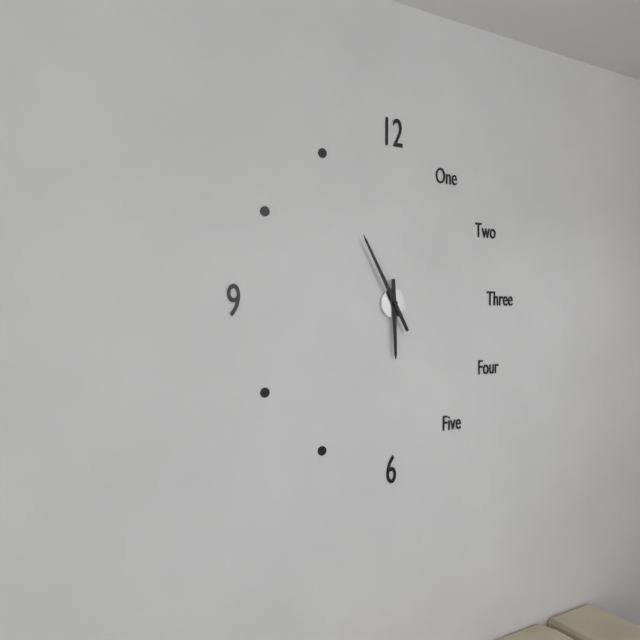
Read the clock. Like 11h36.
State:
5h55
